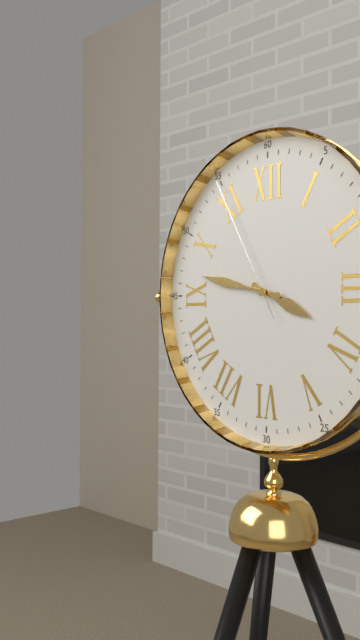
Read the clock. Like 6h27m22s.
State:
3h47m55s
